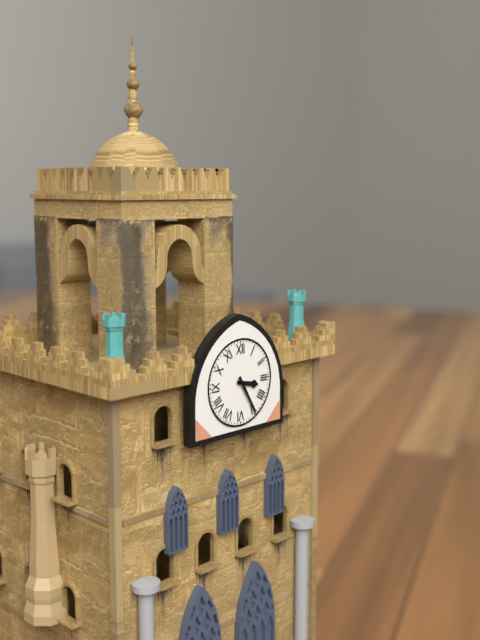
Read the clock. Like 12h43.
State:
3h25
